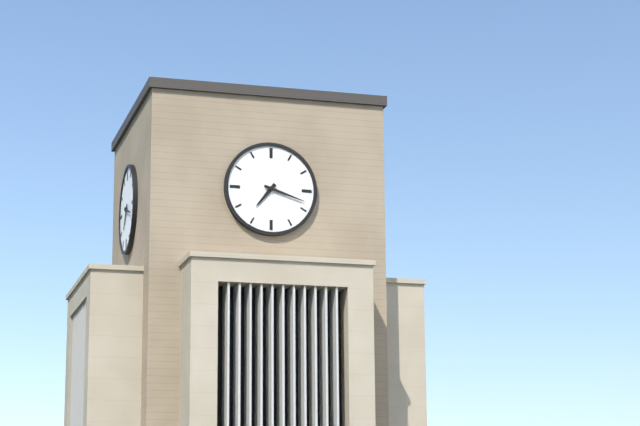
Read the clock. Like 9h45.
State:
7h18
